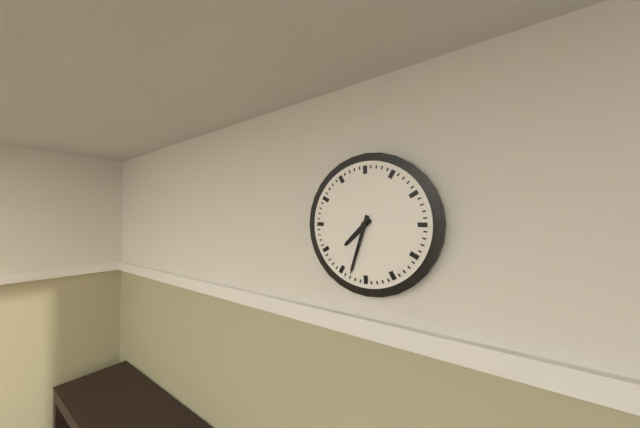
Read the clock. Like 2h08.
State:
7h33
